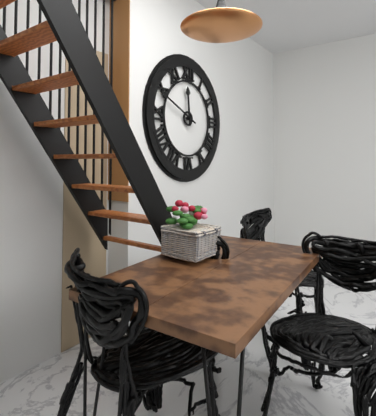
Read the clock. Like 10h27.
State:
11h49
